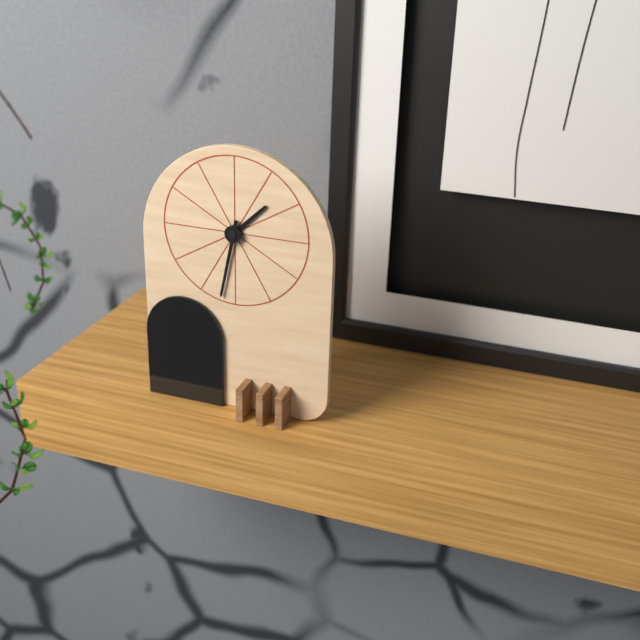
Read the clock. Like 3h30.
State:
1h32
